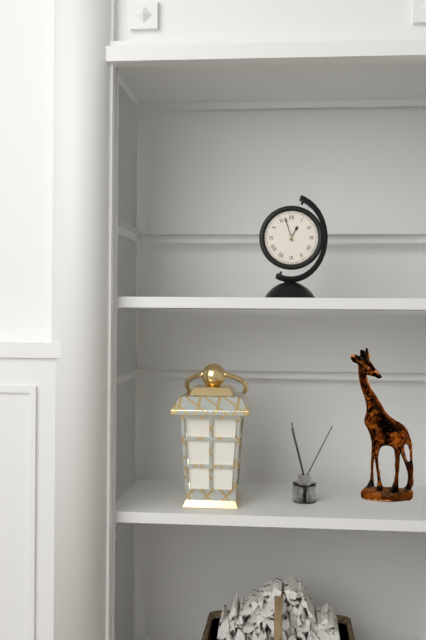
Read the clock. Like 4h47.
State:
12h57
